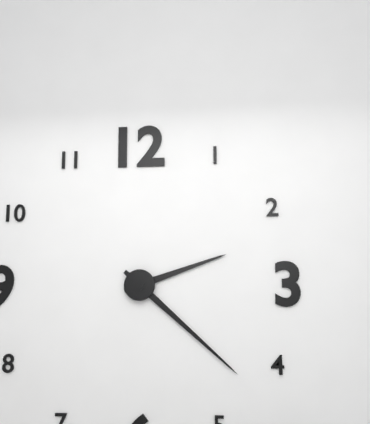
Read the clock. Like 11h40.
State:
2h22
